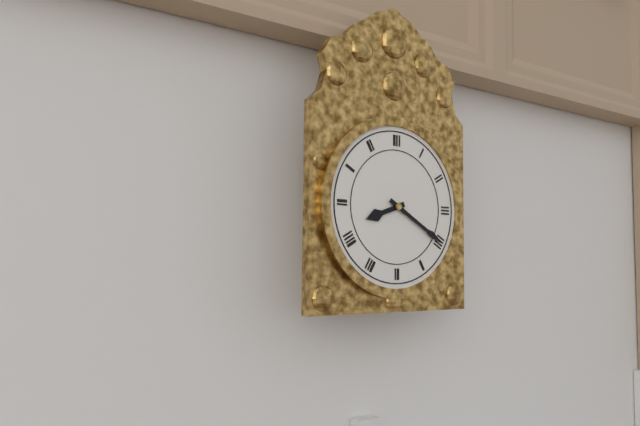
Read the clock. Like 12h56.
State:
8h20
